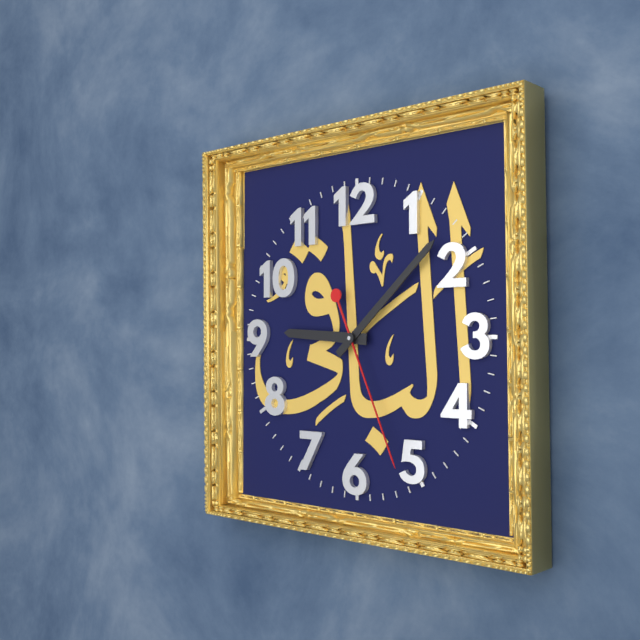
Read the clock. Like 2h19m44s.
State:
9h08m26s
